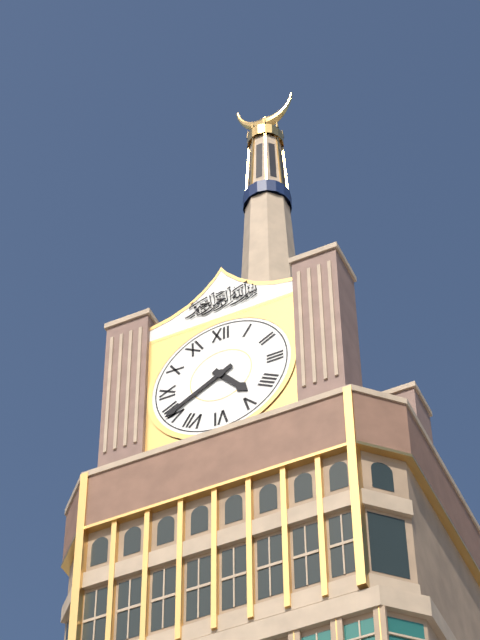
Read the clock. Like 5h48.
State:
4h40
